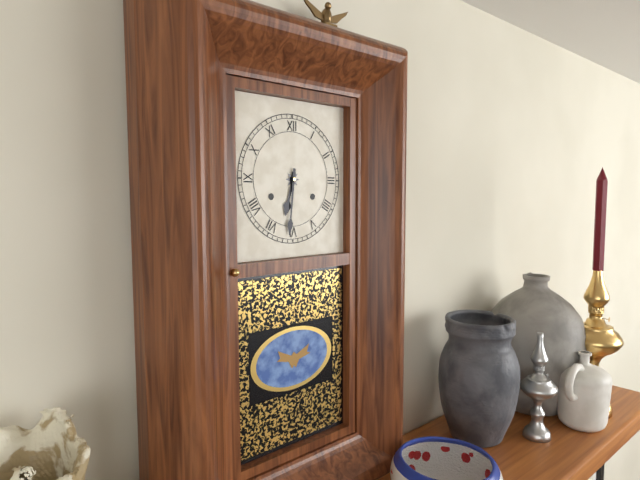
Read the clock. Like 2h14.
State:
6h31
